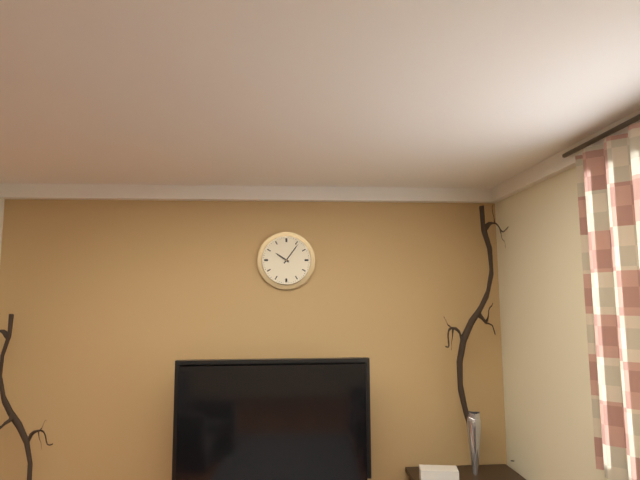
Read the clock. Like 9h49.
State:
10h06
